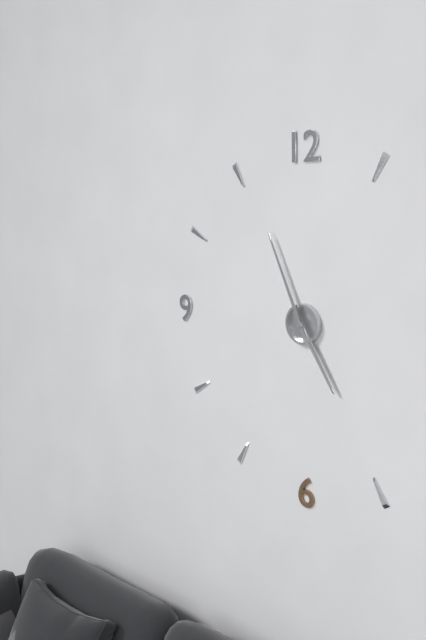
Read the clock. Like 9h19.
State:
4h56
